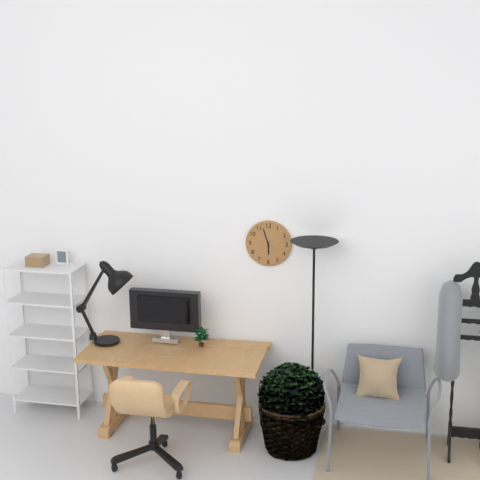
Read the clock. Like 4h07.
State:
5h57
